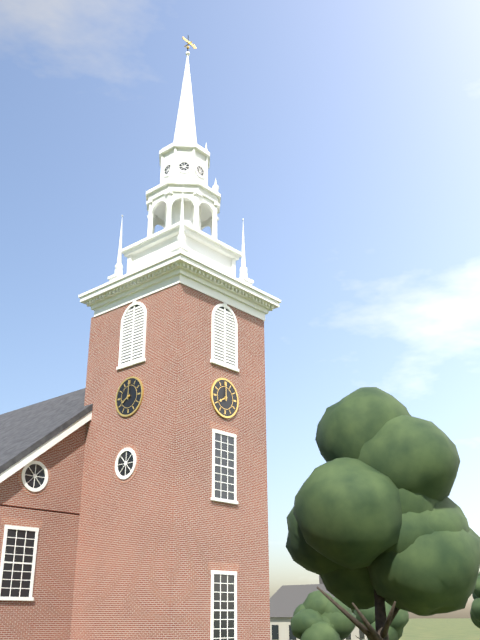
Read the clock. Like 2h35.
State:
8h00
